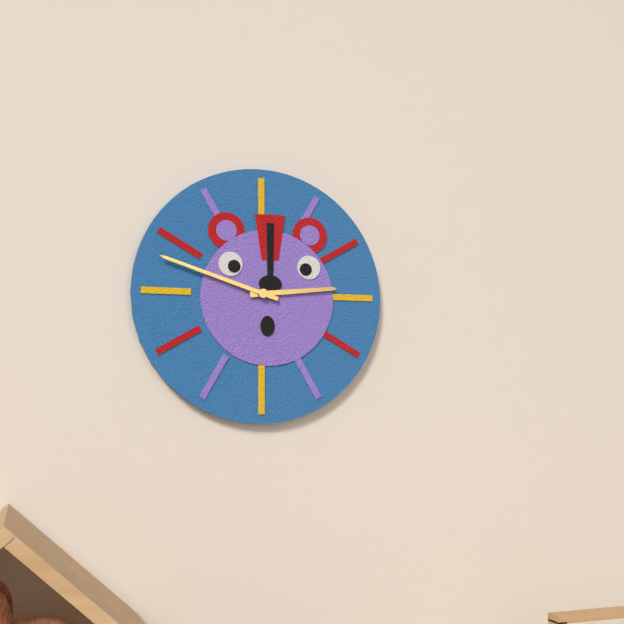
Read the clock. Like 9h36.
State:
2h48
